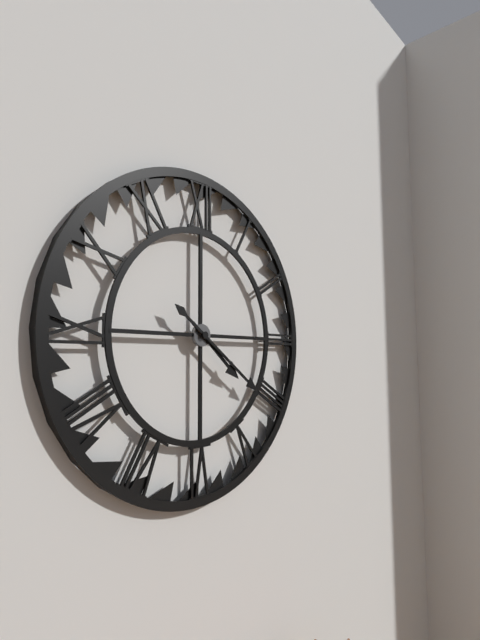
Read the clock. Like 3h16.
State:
4h21
